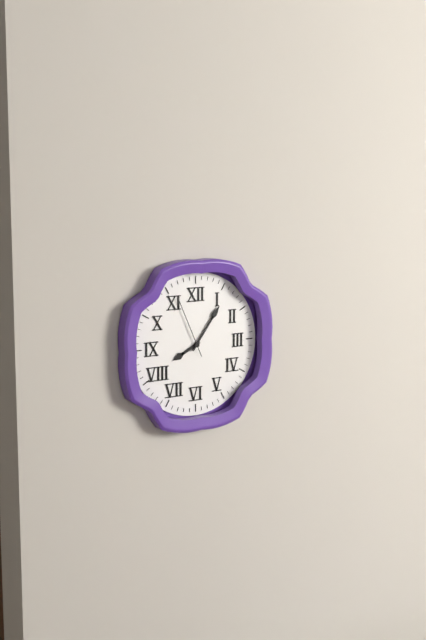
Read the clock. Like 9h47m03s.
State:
8h06m56s
